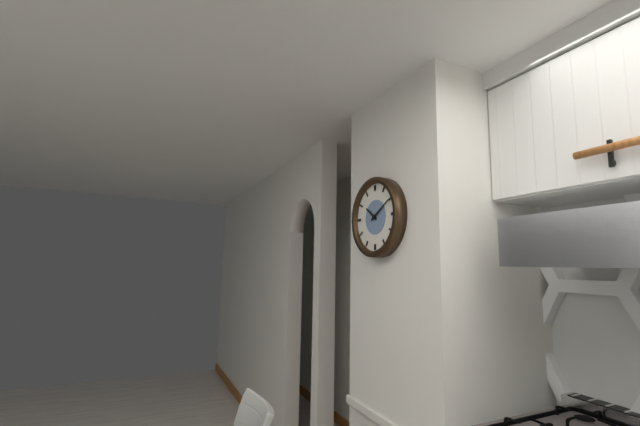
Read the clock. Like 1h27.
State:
10h10
